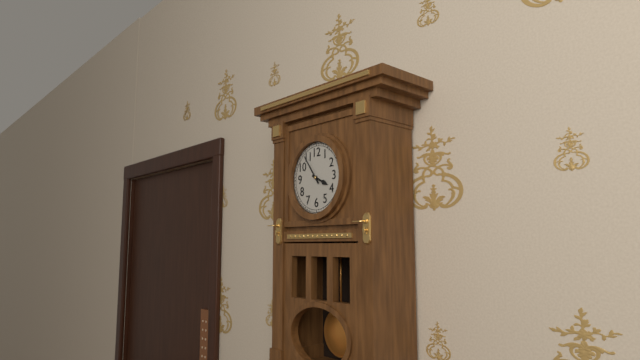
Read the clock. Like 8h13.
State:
3h54
